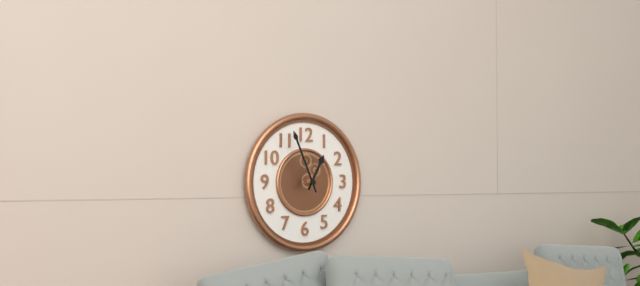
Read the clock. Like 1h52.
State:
12h56
